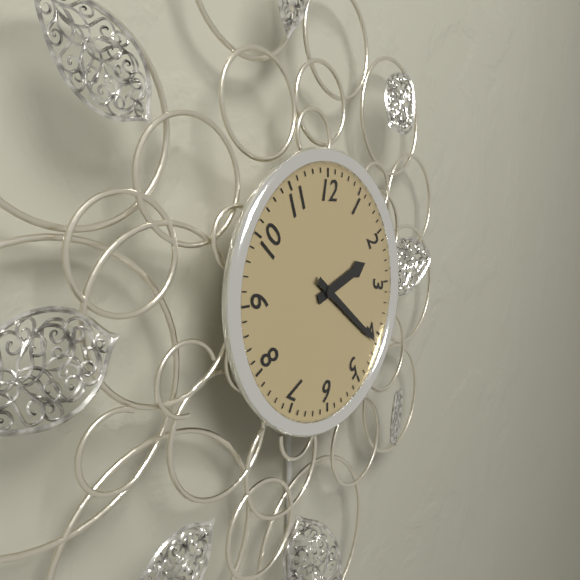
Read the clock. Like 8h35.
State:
2h21
